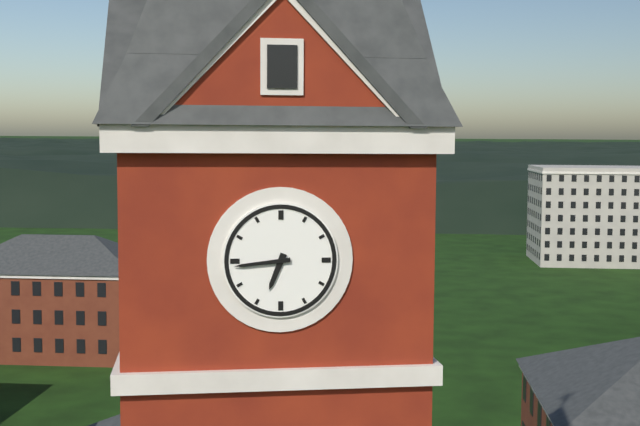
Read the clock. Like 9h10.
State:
6h44
